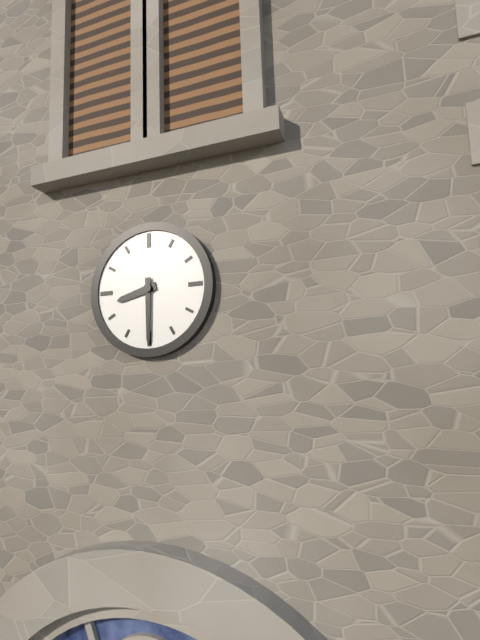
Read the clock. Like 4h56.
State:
8h30
